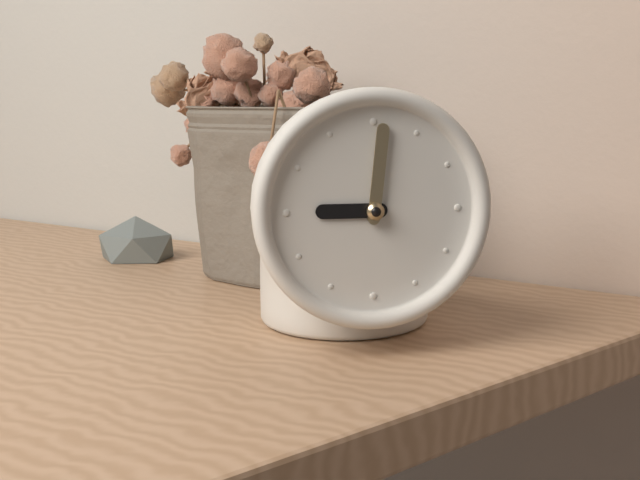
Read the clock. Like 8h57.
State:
9h01
